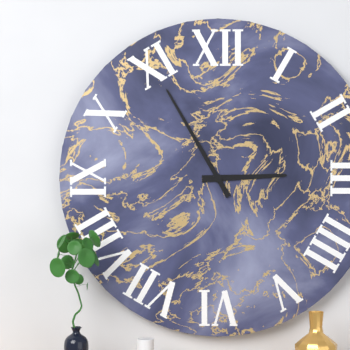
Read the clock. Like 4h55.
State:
2h55
